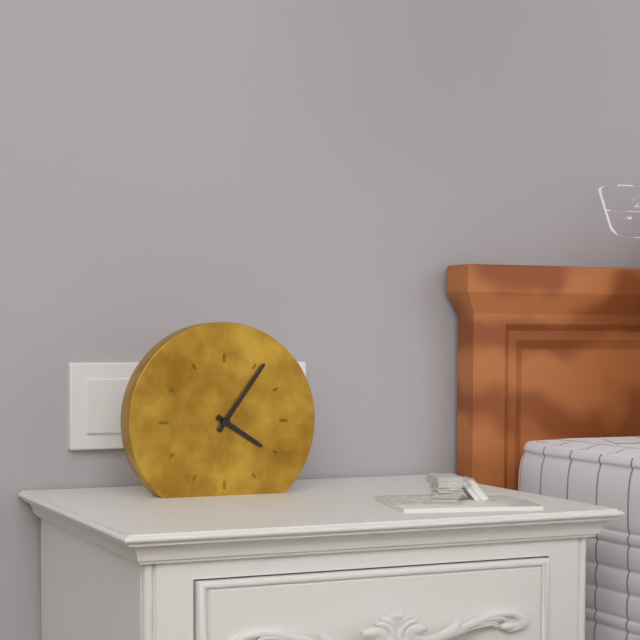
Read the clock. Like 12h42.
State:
4h06
